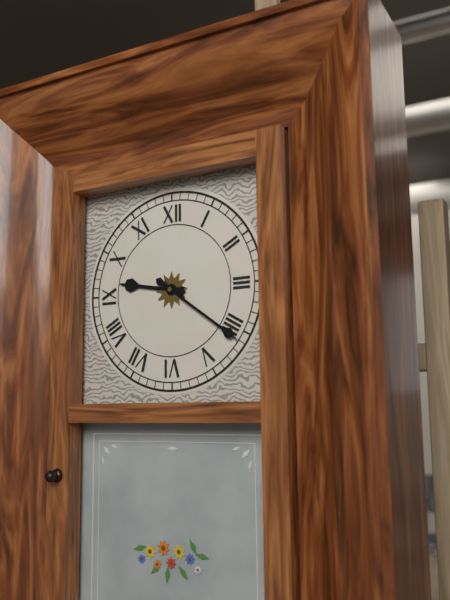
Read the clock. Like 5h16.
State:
9h21
